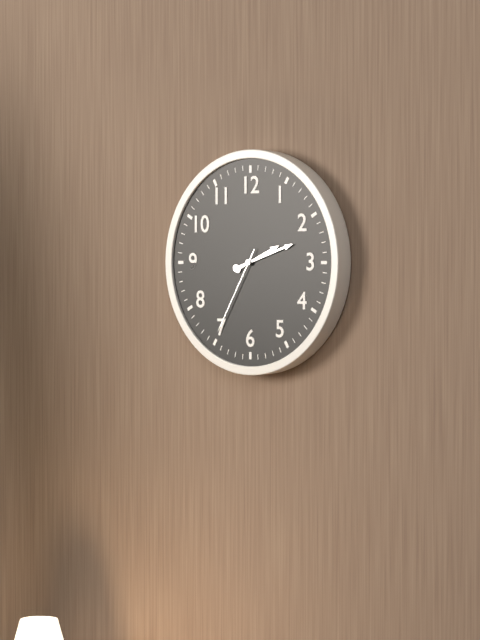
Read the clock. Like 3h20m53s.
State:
2h12m35s
